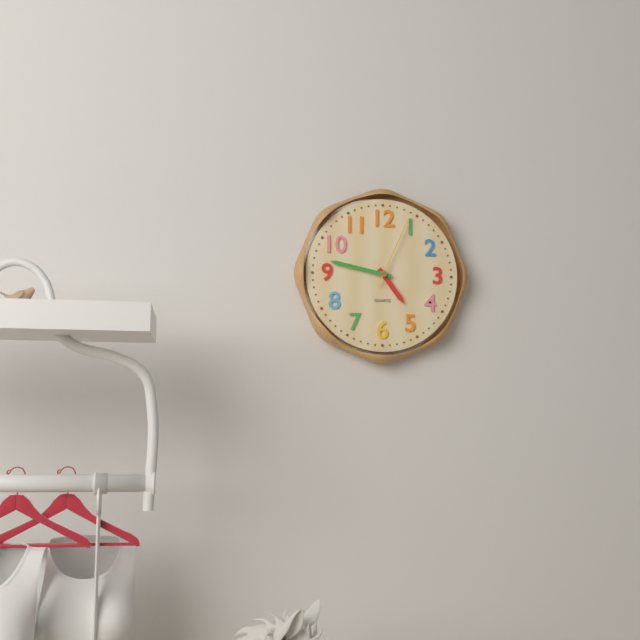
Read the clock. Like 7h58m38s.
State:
4h47m04s
